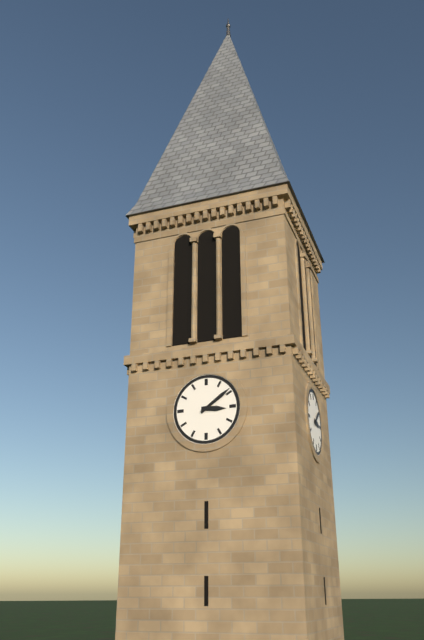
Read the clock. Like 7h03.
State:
3h09
